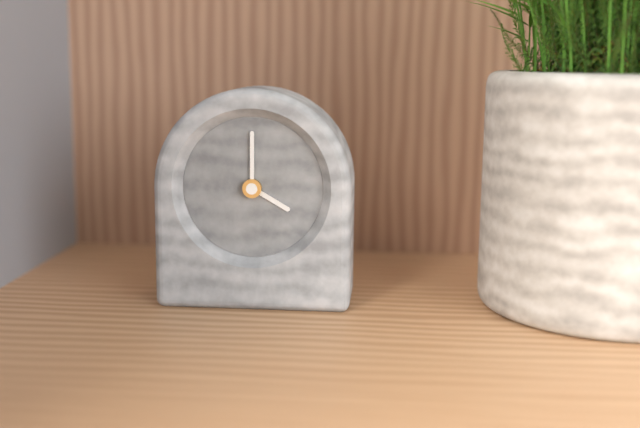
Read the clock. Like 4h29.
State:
4h00
